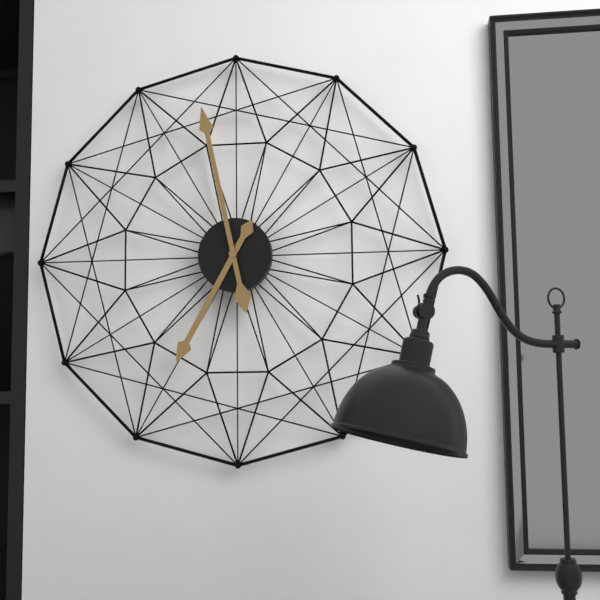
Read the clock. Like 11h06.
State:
6h58
